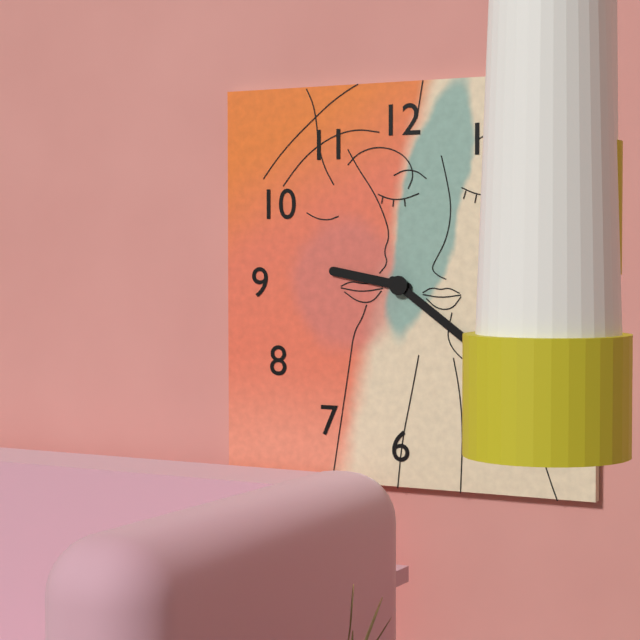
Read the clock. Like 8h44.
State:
9h21
